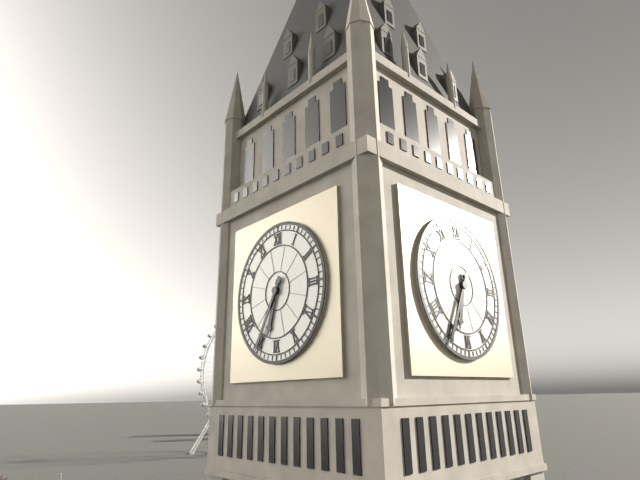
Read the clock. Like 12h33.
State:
6h35
